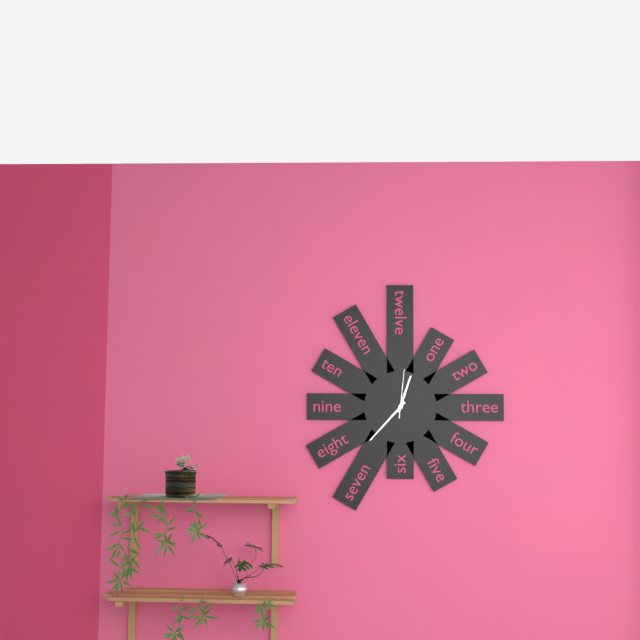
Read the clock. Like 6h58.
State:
12h37
